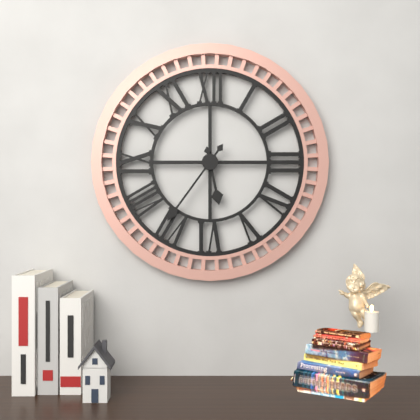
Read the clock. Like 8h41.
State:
5h36
